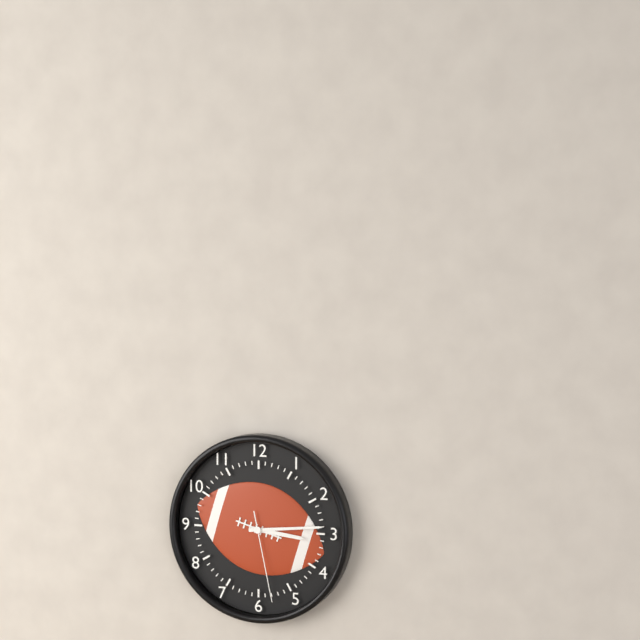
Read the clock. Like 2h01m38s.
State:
3h14m28s
